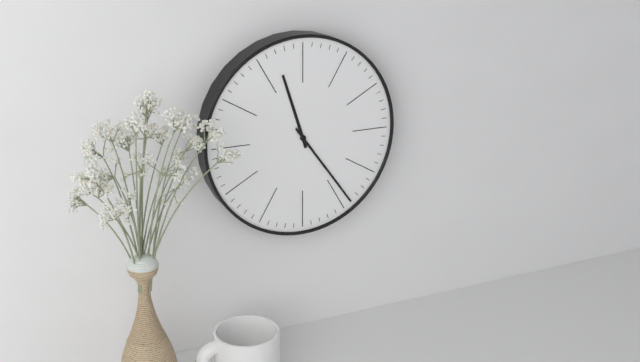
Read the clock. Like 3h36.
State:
11h24
